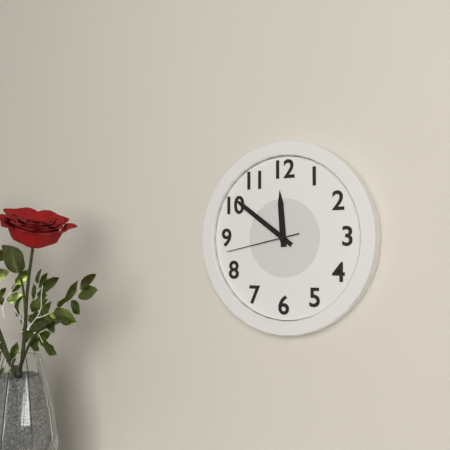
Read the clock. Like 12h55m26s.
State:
11h51m43s
